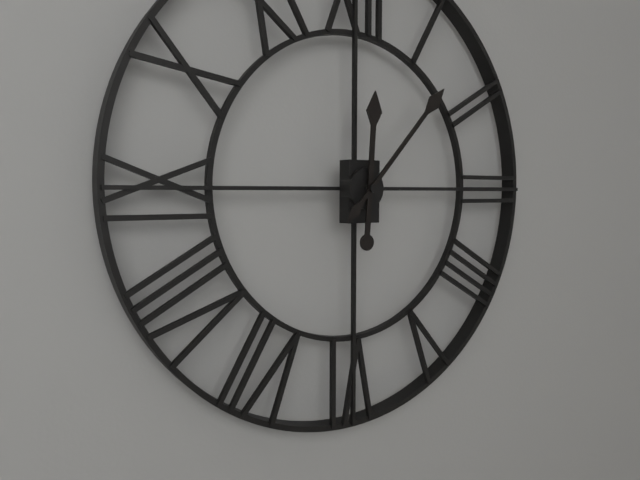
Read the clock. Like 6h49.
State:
12h07
